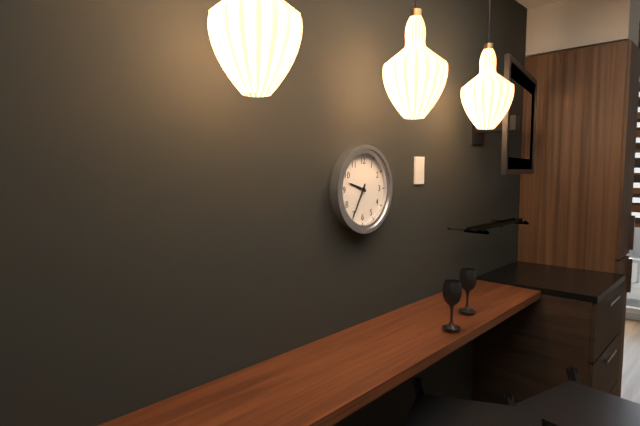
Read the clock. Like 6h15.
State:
9h35
